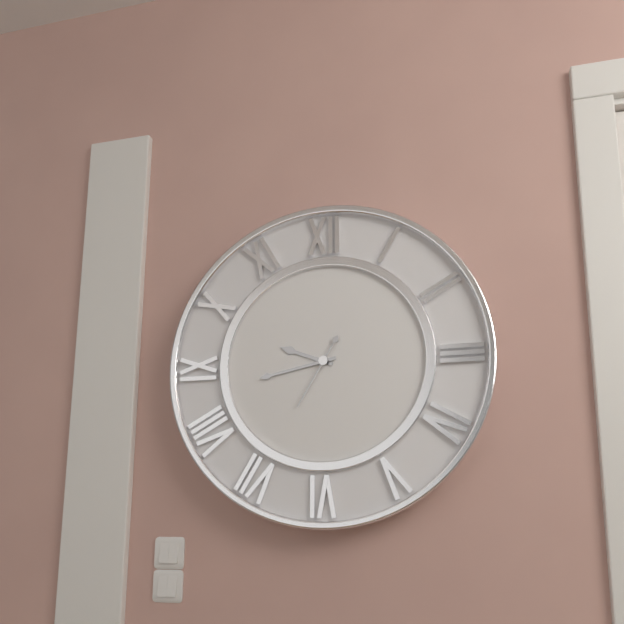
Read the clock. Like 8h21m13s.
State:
9h43m35s
